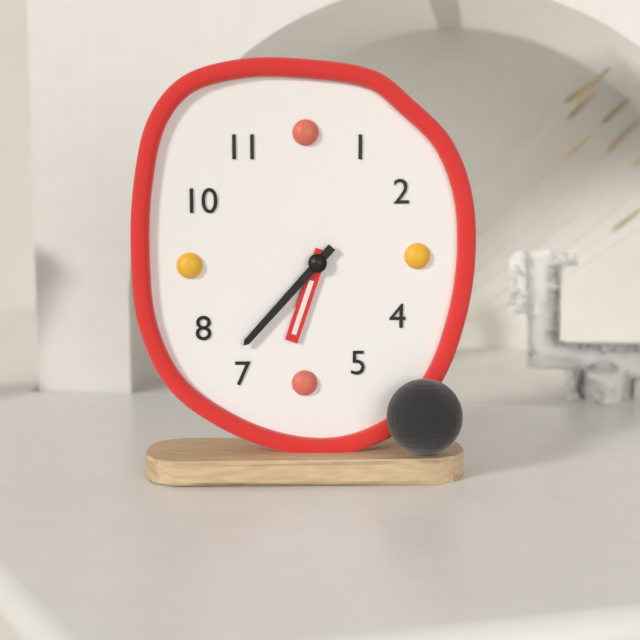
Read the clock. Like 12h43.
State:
6h37
